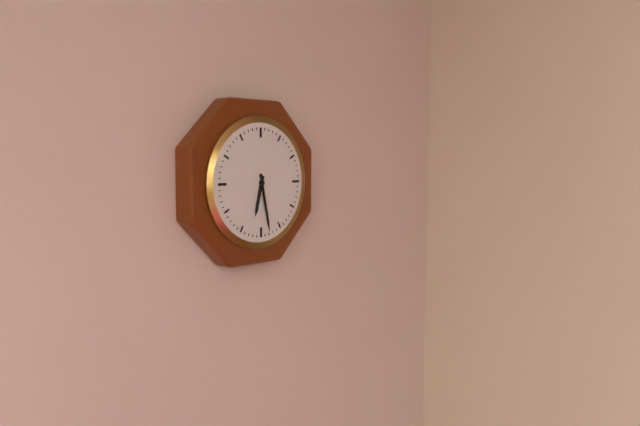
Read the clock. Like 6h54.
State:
6h28
